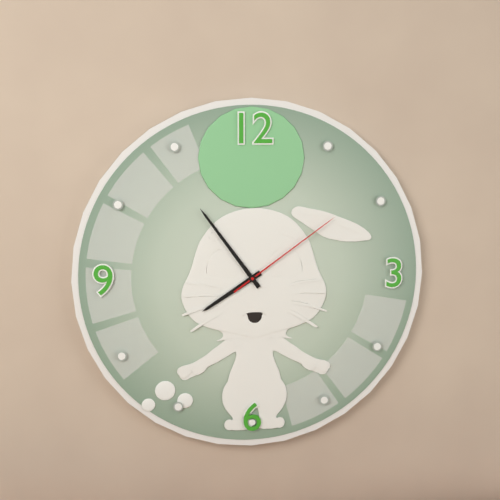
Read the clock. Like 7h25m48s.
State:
7h54m09s
